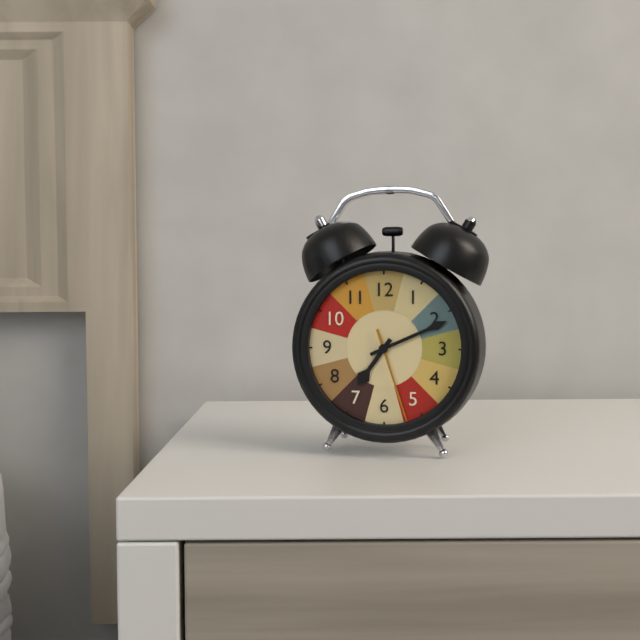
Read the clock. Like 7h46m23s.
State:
7h11m27s
